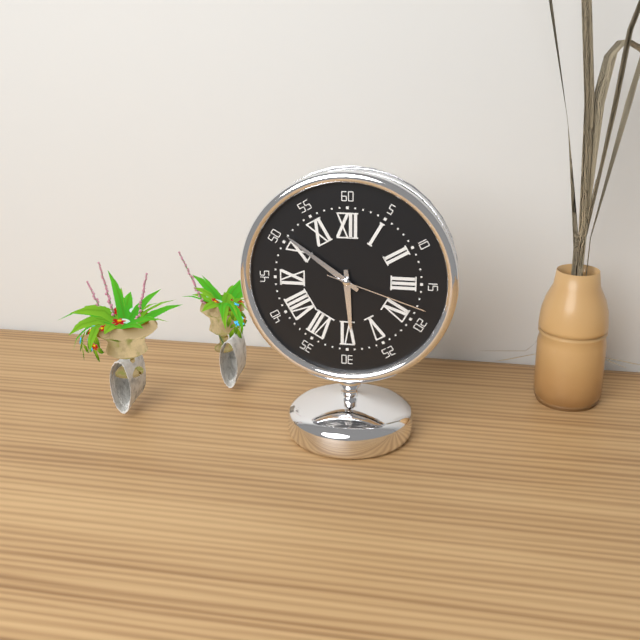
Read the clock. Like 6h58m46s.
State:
5h51m18s
